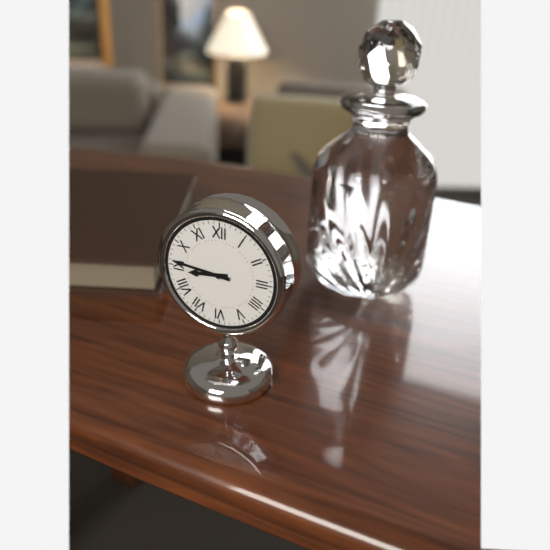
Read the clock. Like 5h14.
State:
8h46
